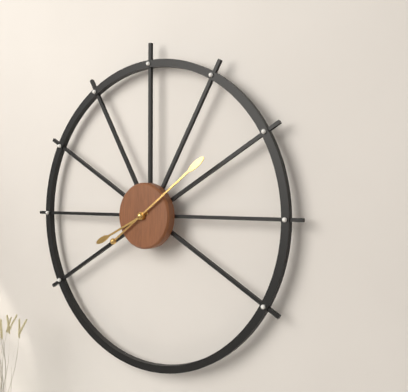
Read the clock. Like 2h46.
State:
8h09
